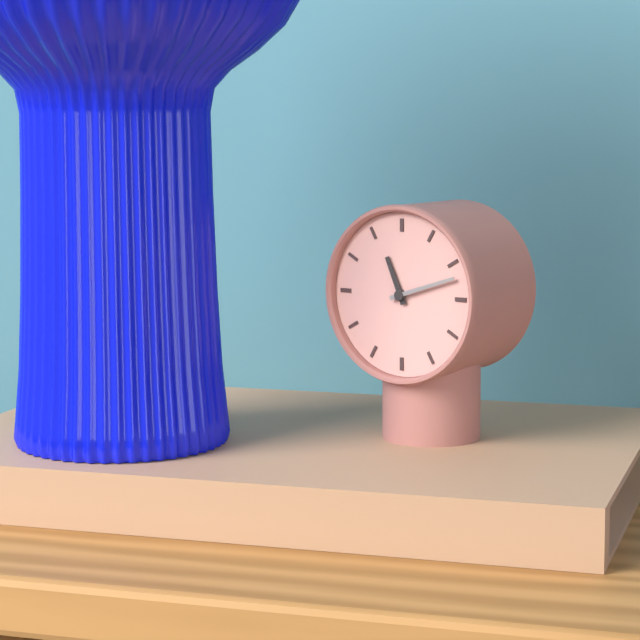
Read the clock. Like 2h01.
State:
11h12
